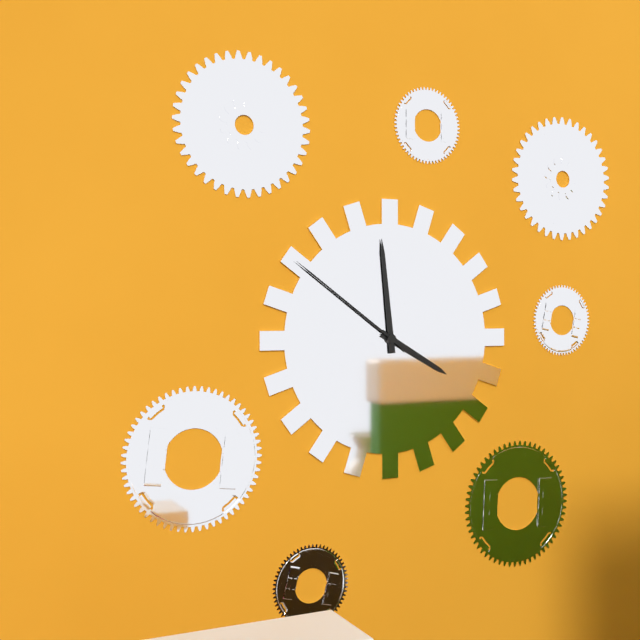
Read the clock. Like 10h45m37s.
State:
3h59m51s
